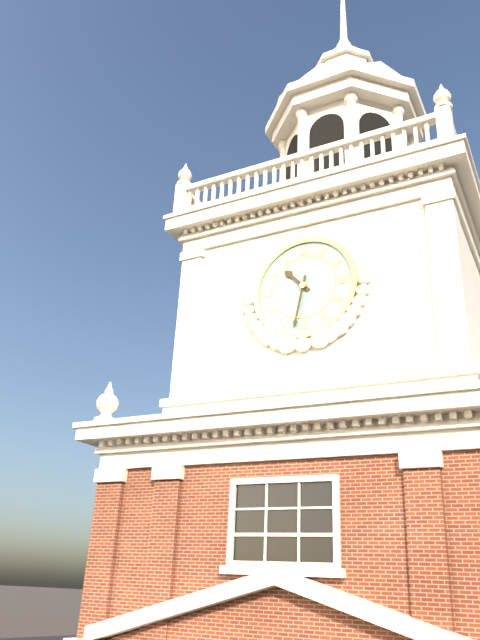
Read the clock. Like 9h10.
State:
10h32
